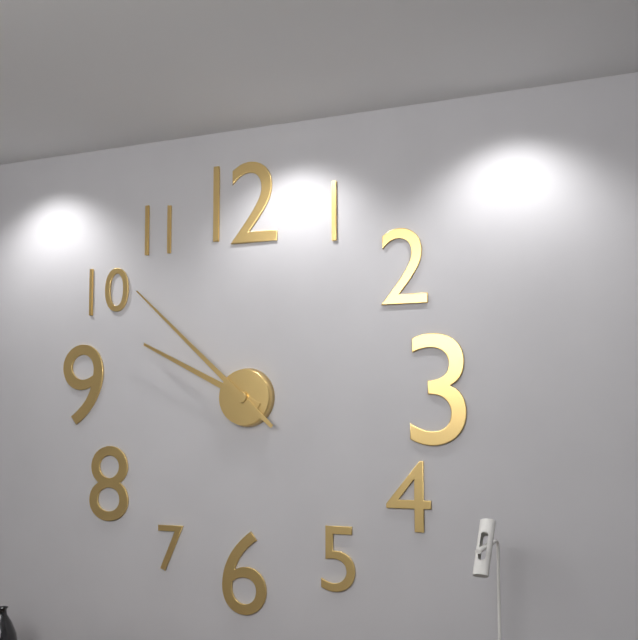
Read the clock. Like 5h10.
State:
9h52
